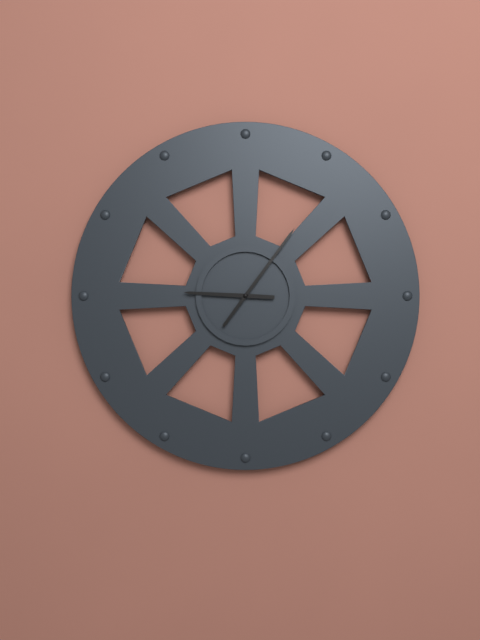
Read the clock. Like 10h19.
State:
9h06
